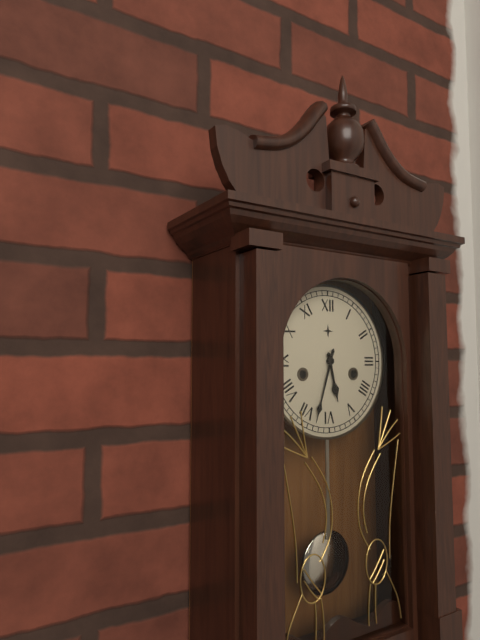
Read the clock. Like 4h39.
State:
5h33
